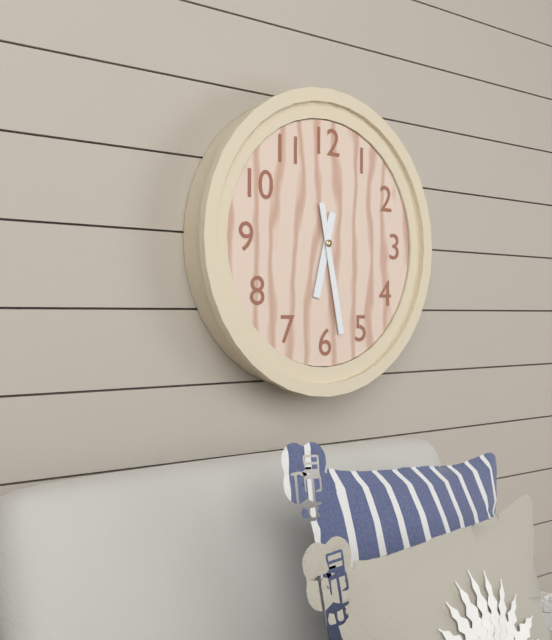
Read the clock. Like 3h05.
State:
6h28
